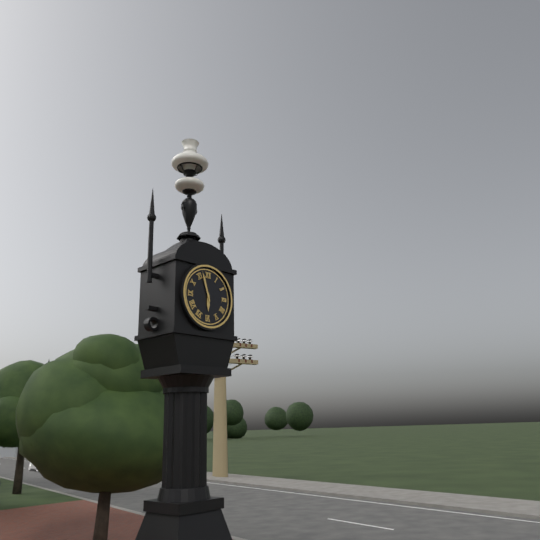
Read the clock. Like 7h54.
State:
5h57
